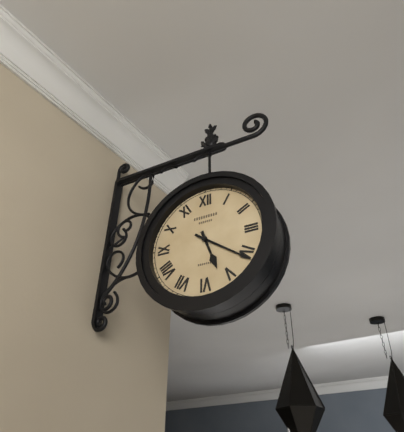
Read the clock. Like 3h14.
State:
5h21
